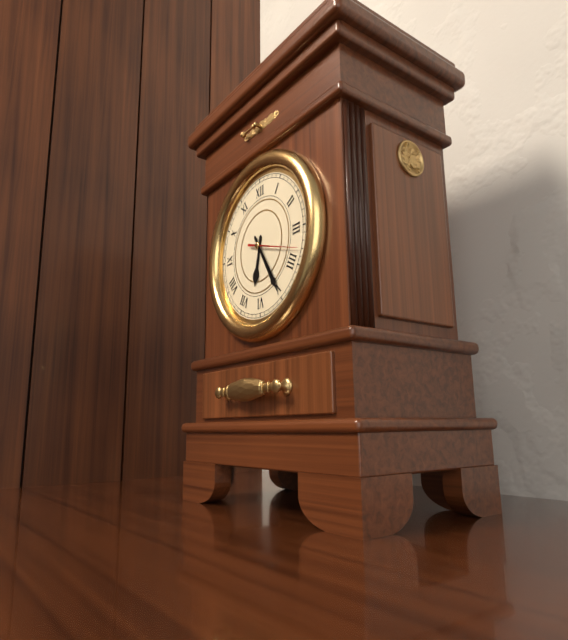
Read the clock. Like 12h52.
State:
6h25
